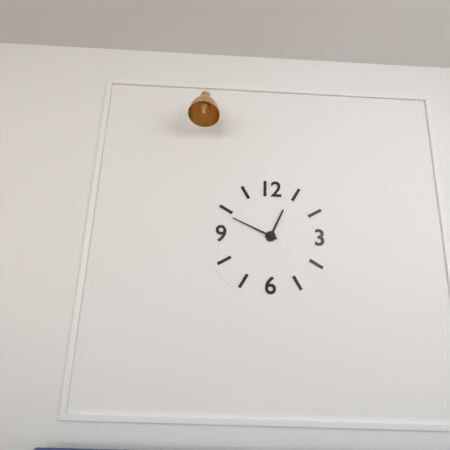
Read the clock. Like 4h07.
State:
12h49
